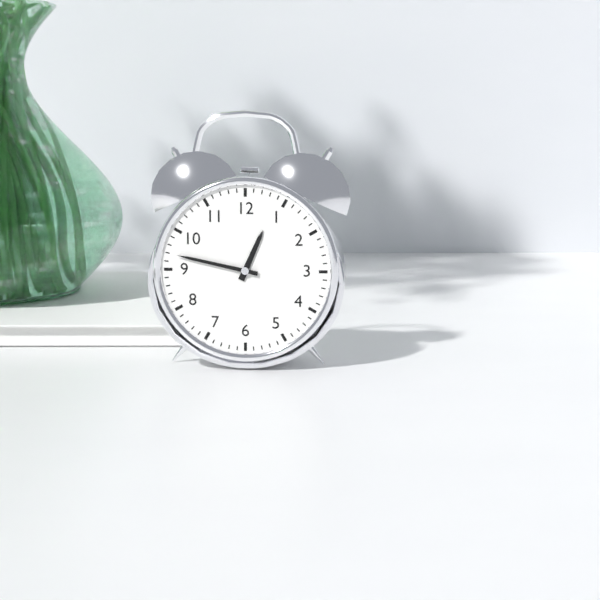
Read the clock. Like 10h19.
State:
12h47
